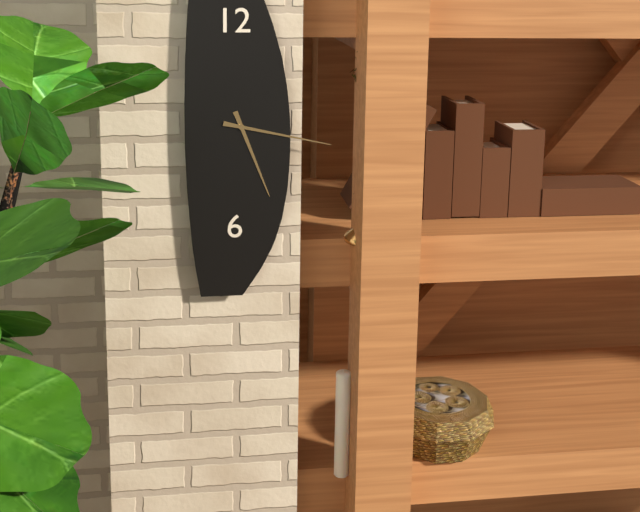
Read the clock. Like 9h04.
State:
5h17
